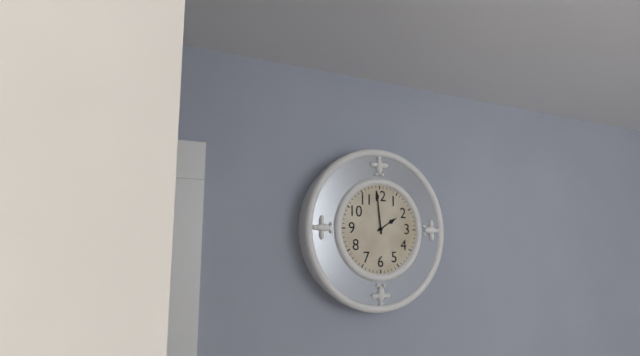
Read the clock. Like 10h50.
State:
1h59
